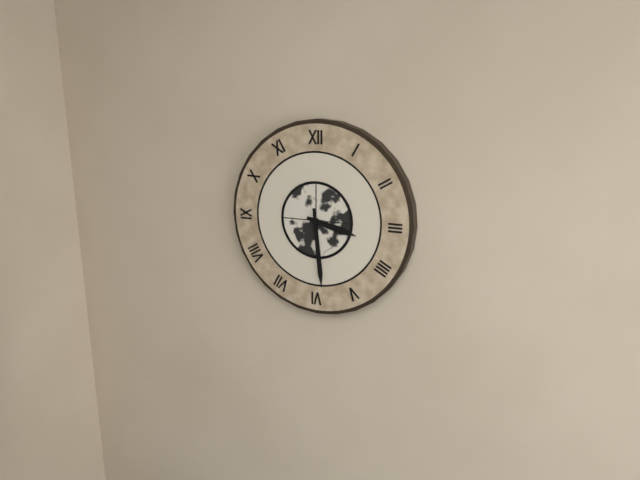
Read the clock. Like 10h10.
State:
3h29
